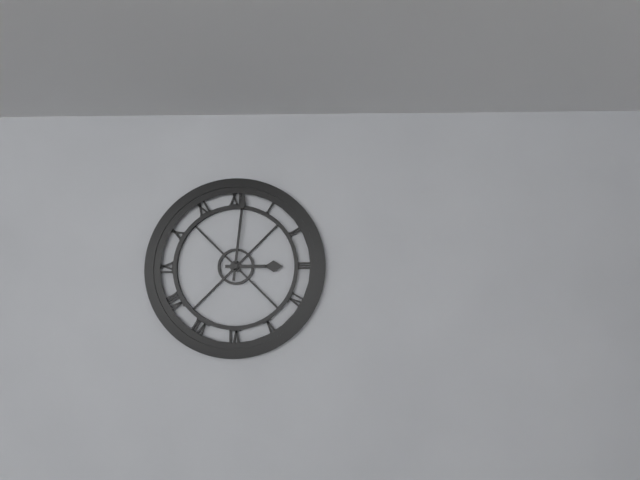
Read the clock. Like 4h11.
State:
3h01
